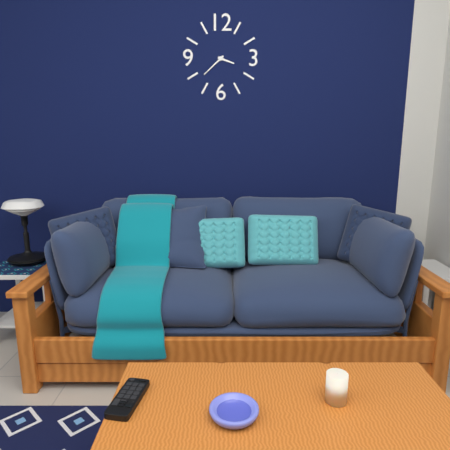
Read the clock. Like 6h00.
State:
3h38
